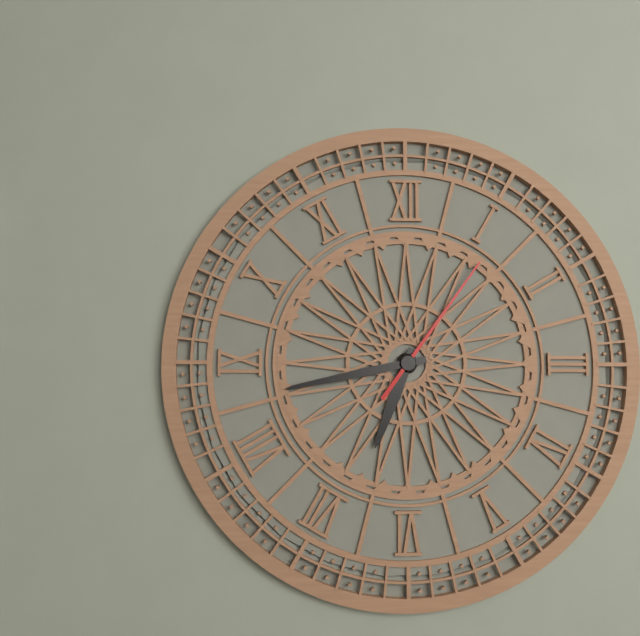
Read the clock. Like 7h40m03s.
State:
6h43m06s
